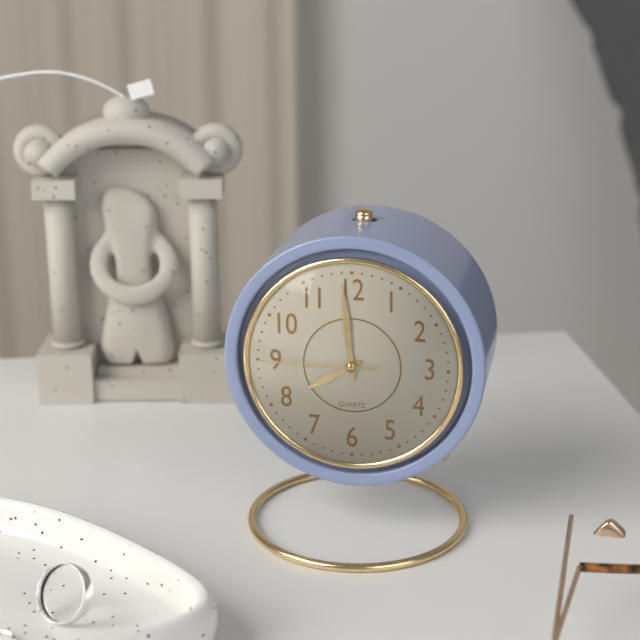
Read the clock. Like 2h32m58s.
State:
7h59m45s
